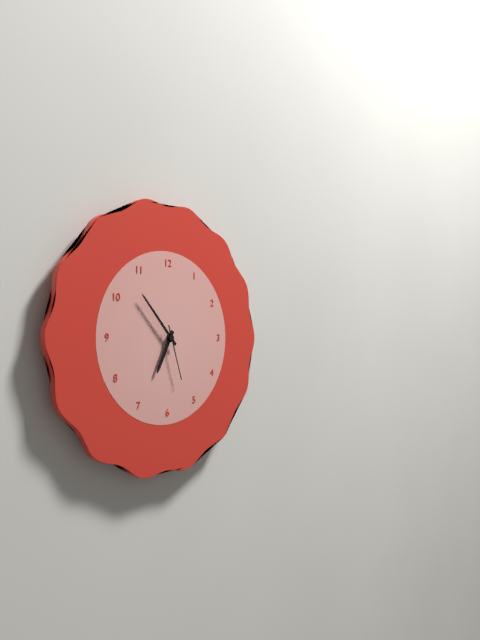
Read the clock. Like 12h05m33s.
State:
6h53m27s
